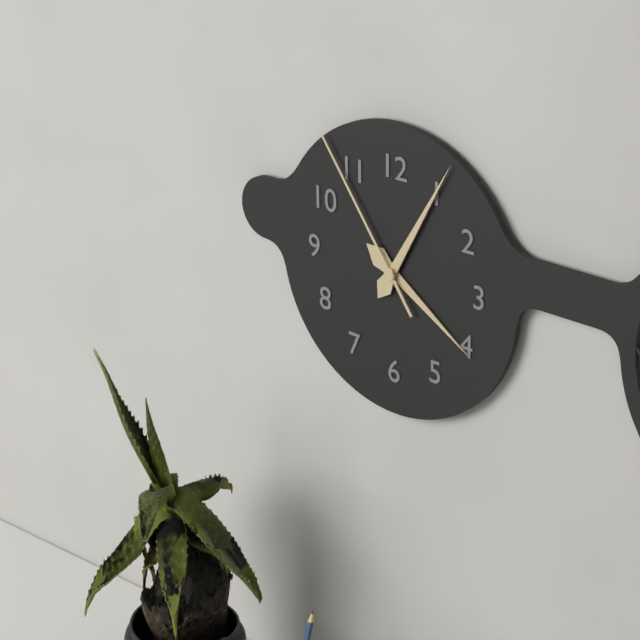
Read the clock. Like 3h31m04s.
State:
4h05m54s
